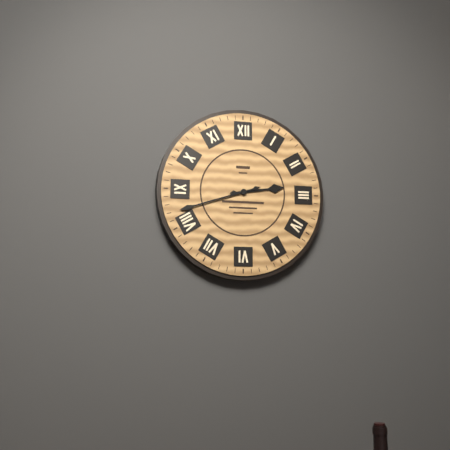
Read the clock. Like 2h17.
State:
2h42
